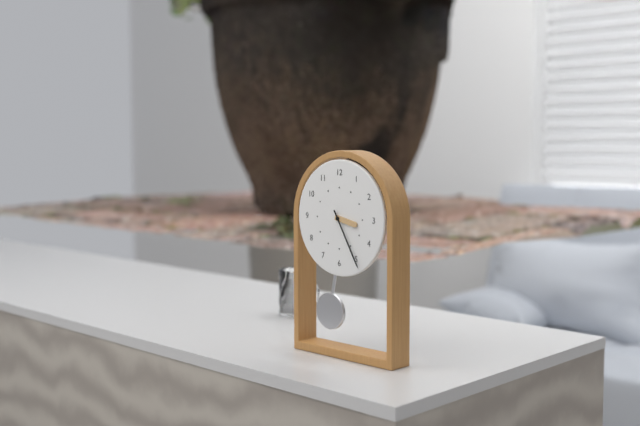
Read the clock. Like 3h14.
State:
3h25
